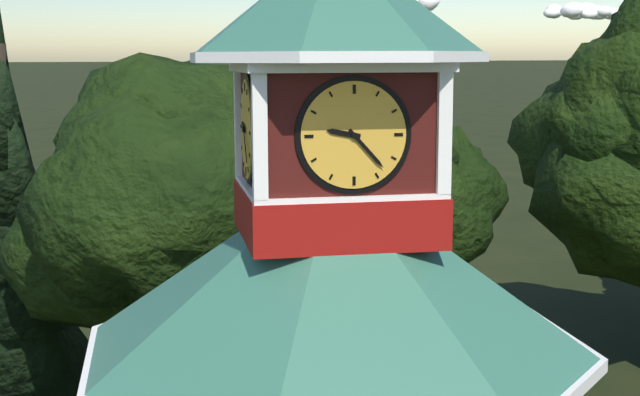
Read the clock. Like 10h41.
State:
9h23
